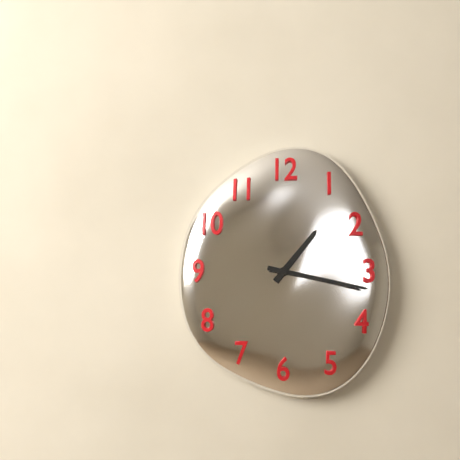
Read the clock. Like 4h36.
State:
1h17
